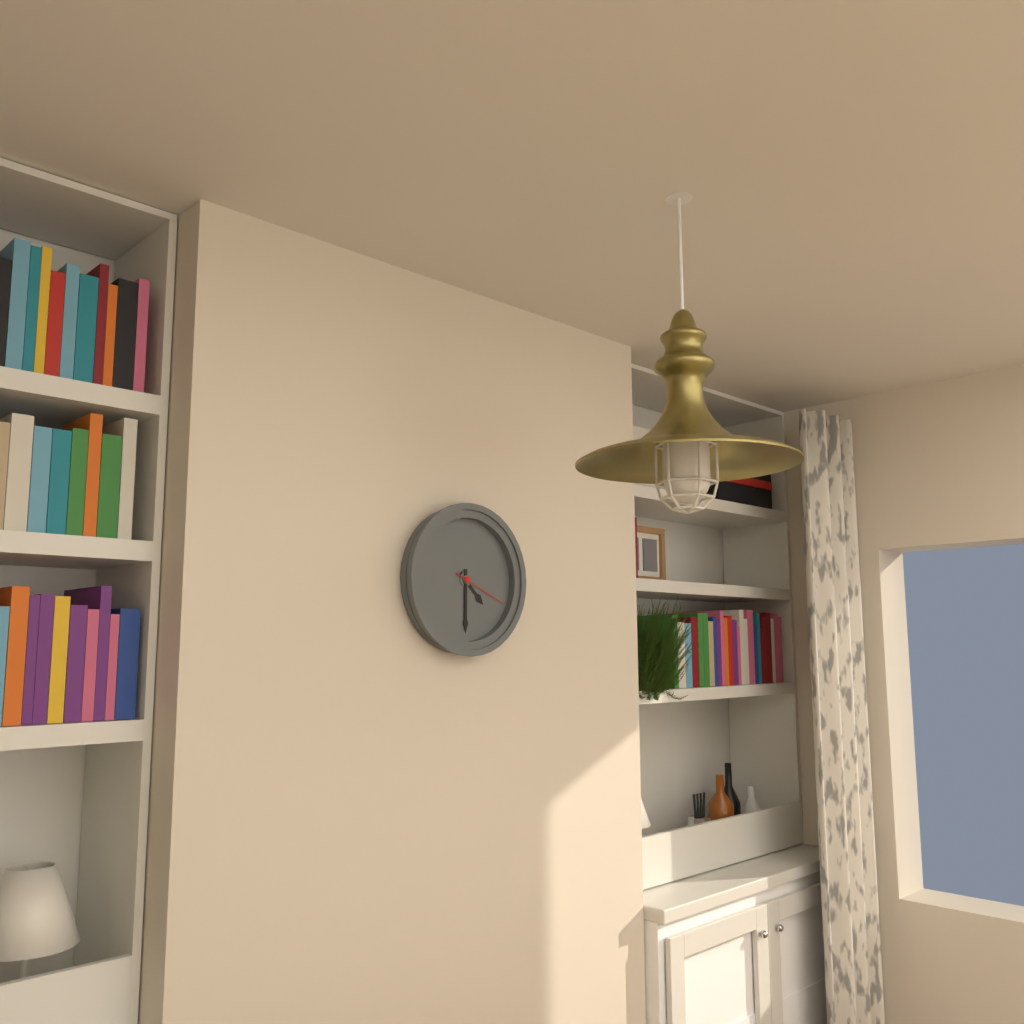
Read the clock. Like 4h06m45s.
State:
4h30m19s
